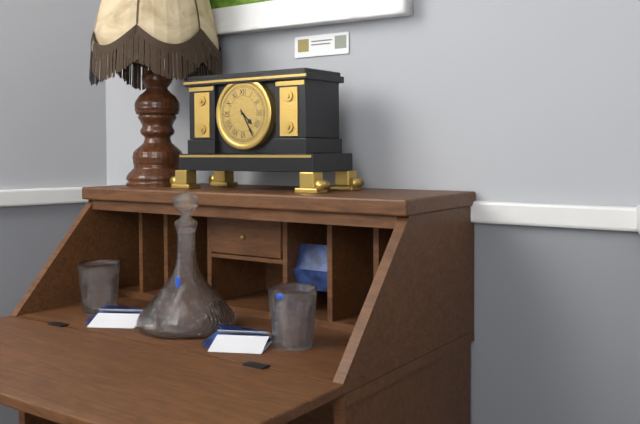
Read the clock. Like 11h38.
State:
4h25
